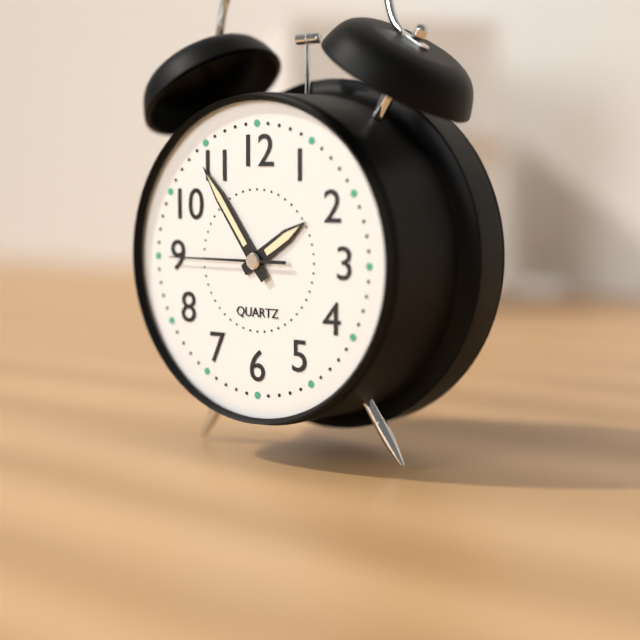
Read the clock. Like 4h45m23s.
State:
1h54m45s
